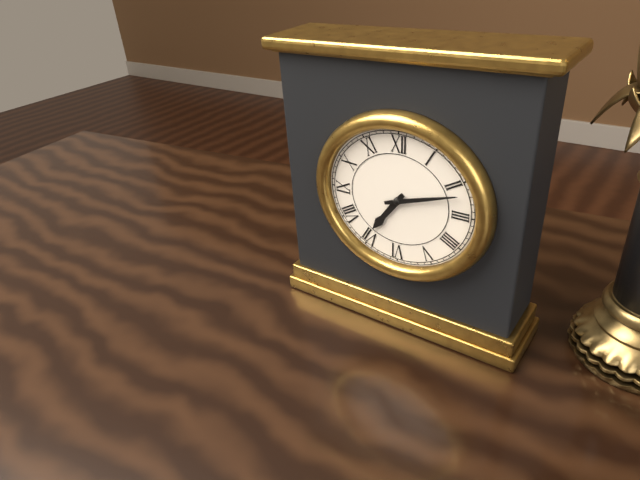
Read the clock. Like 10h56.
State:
7h12
